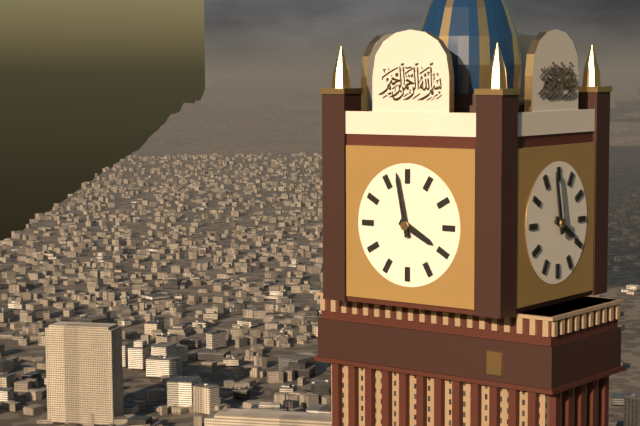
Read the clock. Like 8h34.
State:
3h58
